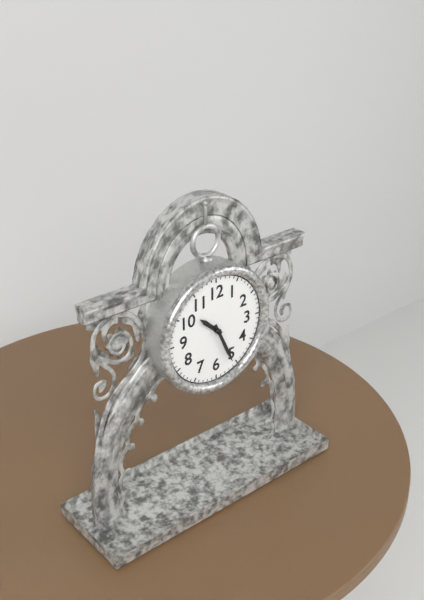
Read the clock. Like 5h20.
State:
10h26
